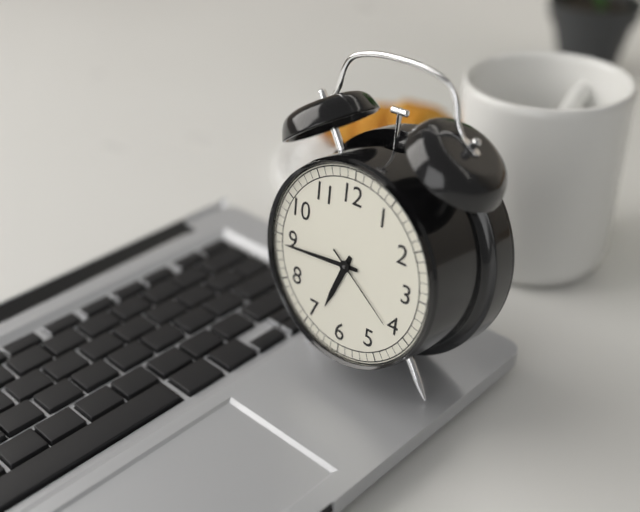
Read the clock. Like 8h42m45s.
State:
6h44m21s
